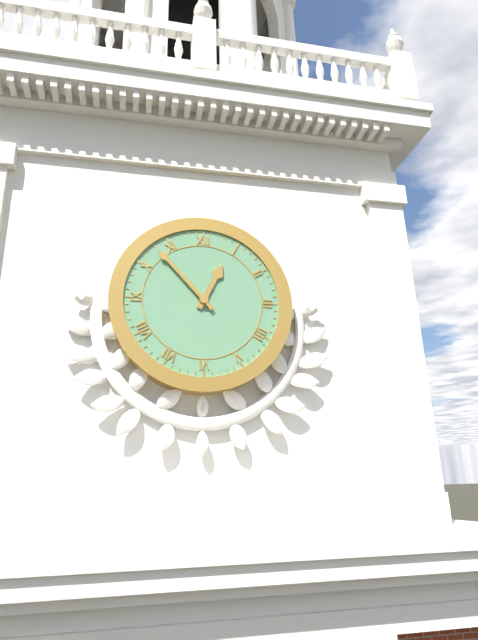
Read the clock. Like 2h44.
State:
12h53
